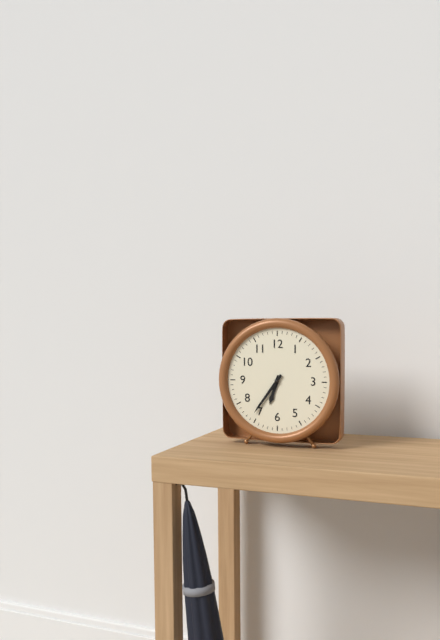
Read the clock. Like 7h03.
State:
6h36
